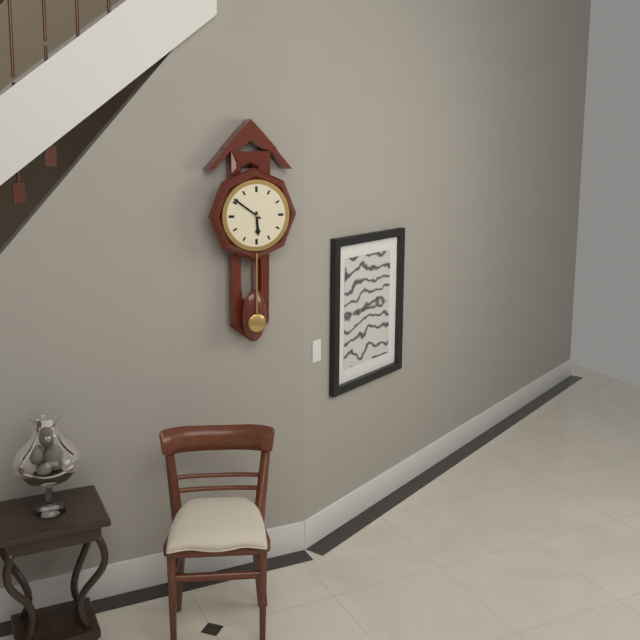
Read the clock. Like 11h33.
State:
5h51
